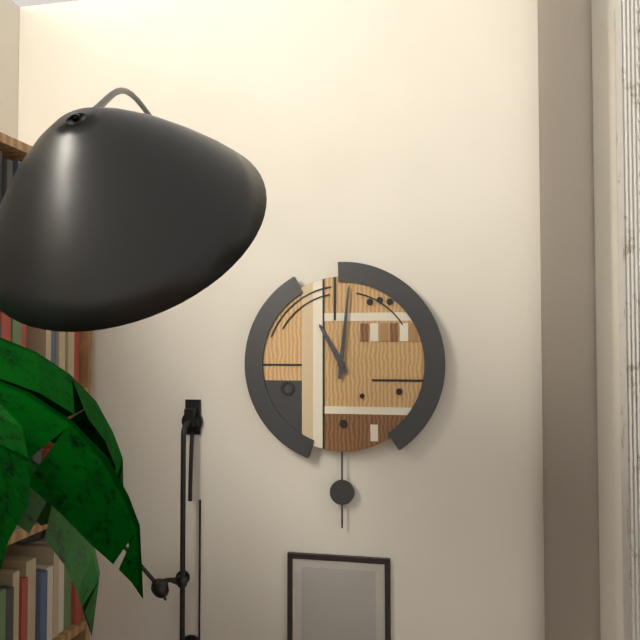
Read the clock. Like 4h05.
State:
11h01
